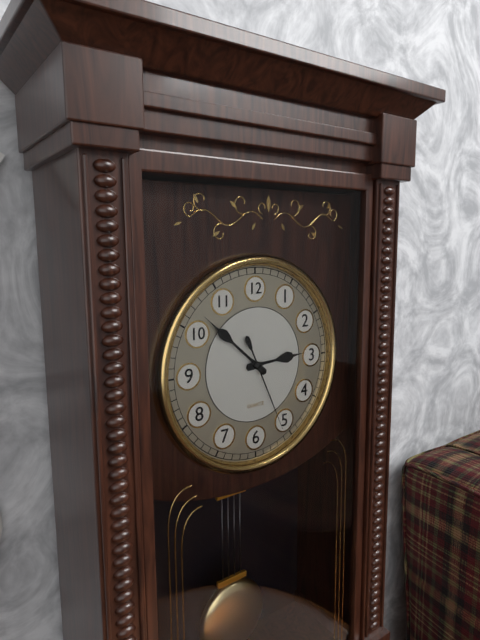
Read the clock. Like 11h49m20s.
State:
2h52m26s
